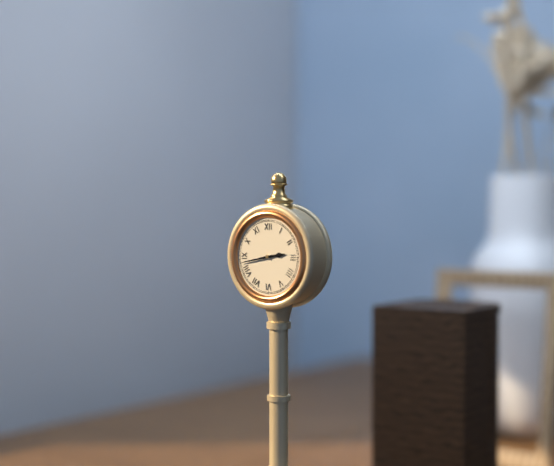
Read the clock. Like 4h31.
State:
2h43
